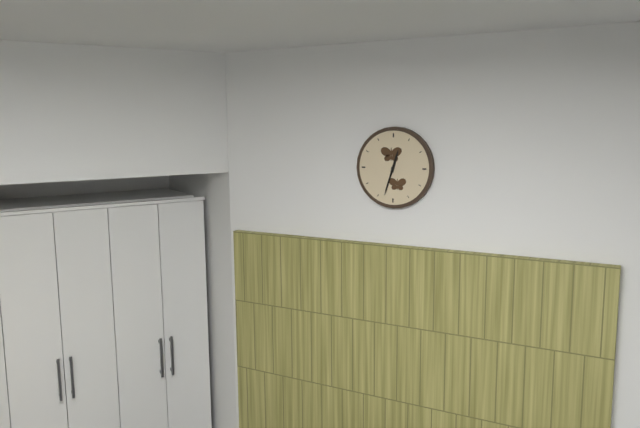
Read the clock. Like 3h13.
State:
12h33
